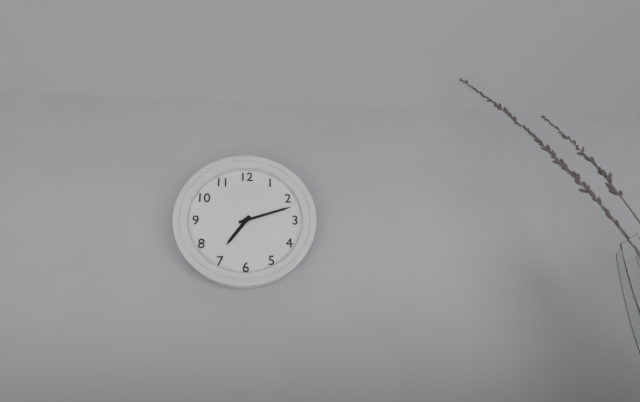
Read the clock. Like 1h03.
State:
7h12
